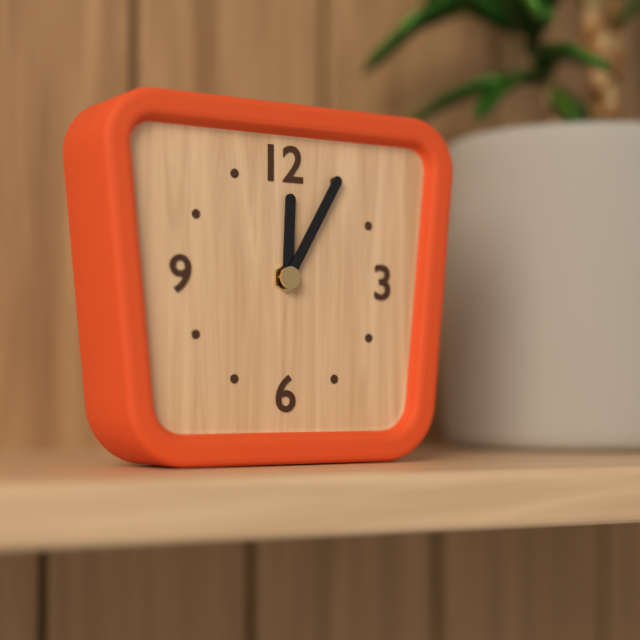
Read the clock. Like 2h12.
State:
12h05
